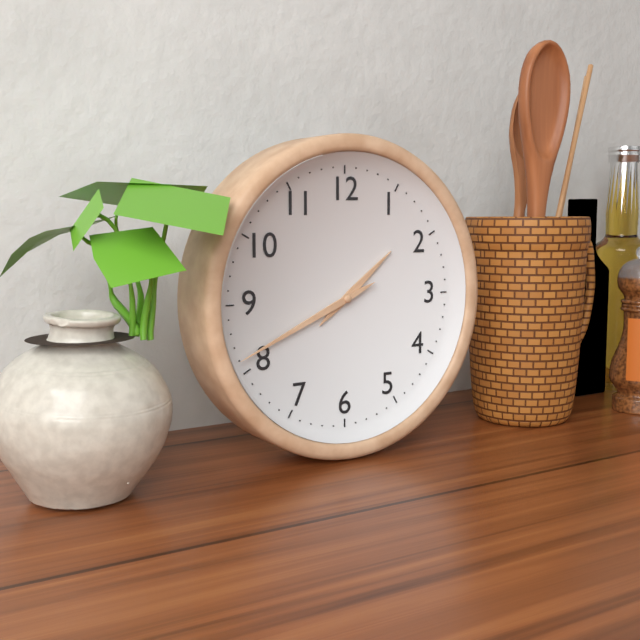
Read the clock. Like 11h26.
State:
1h41
